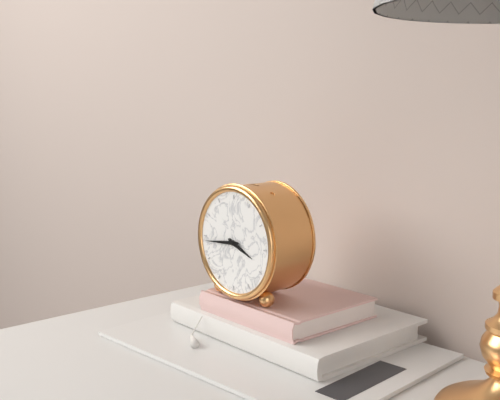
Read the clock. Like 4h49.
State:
3h44
